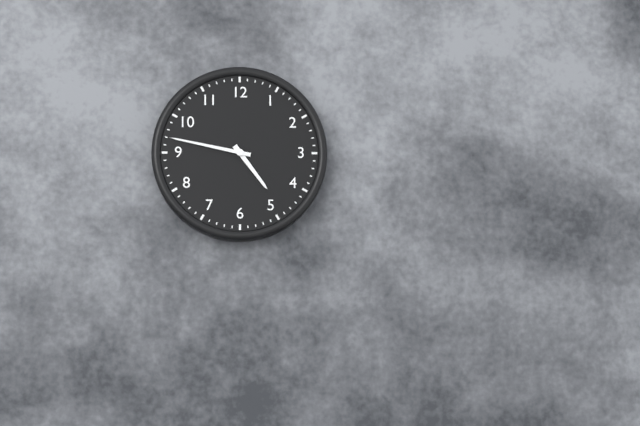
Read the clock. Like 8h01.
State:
4h47
